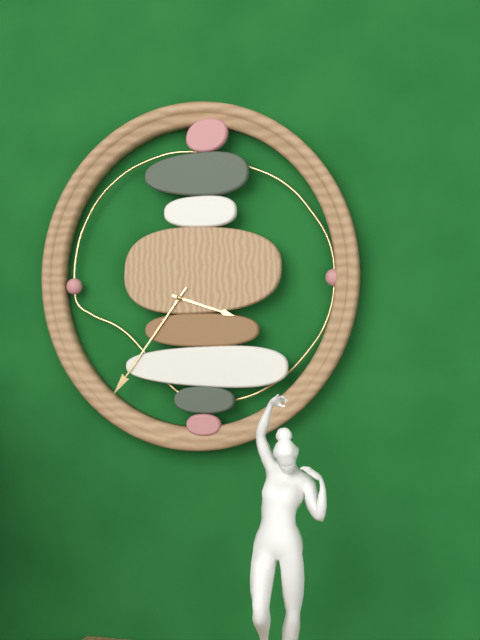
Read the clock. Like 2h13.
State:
3h36
